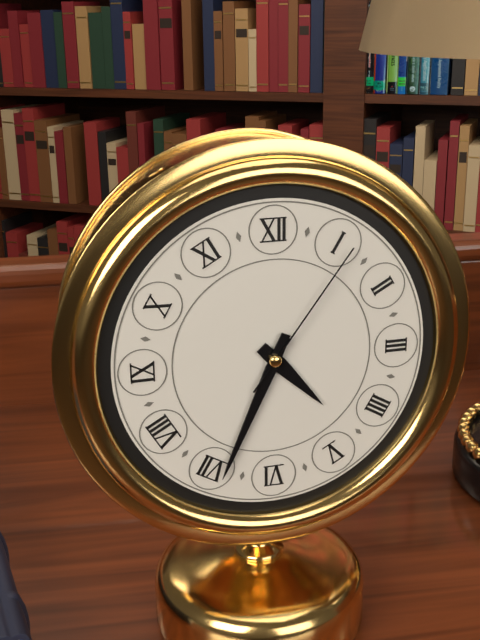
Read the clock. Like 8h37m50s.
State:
4h34m06s
